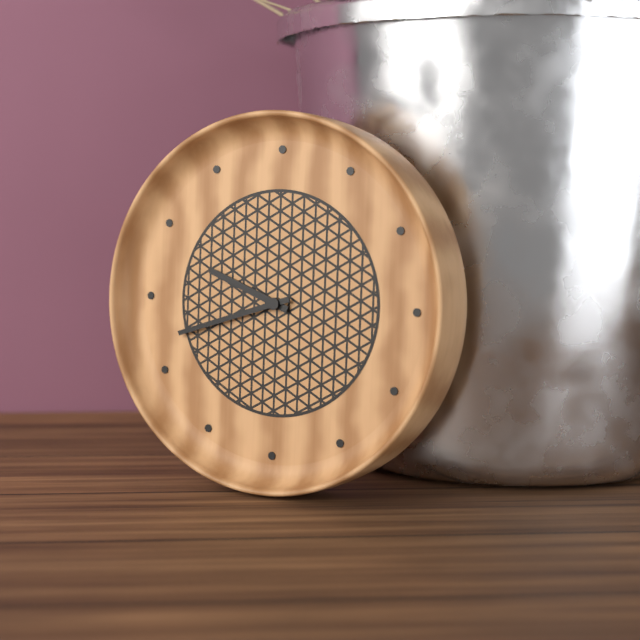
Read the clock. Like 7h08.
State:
9h42
